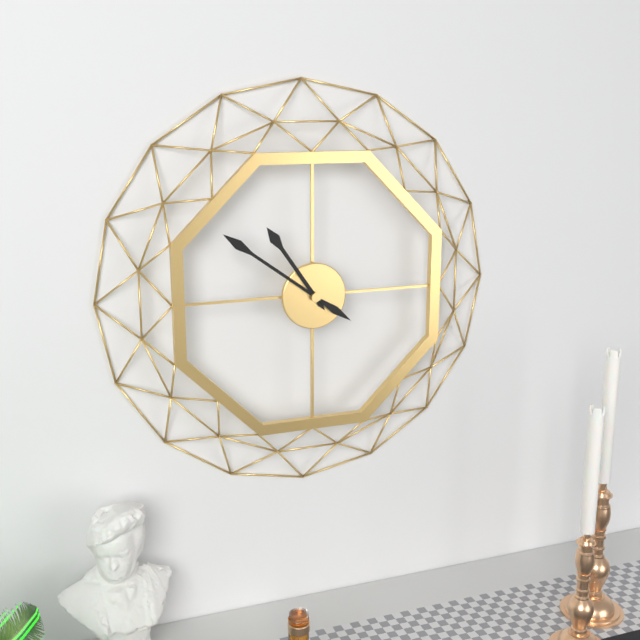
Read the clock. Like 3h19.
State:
10h51
